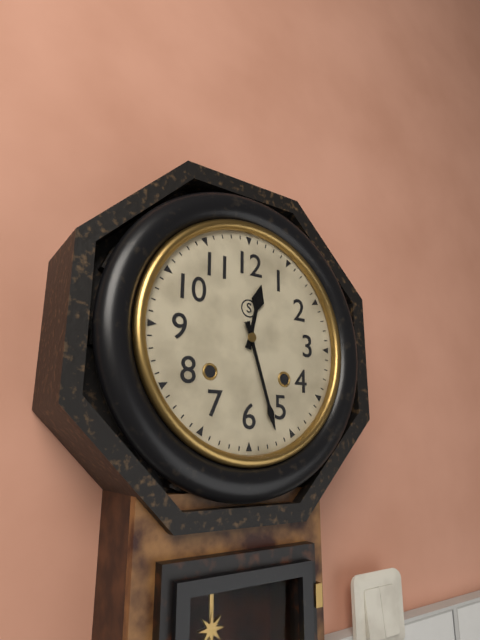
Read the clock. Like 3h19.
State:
12h27
